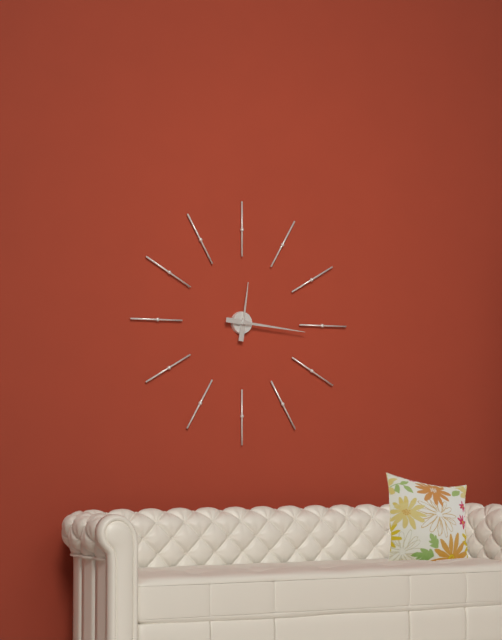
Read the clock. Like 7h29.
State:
12h16
